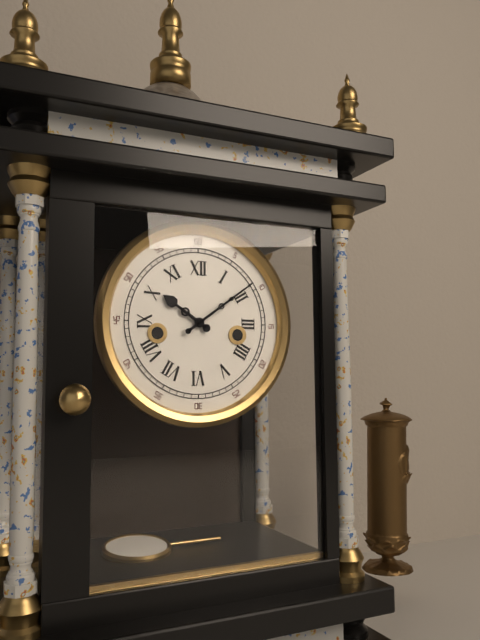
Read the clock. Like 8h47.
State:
10h09
